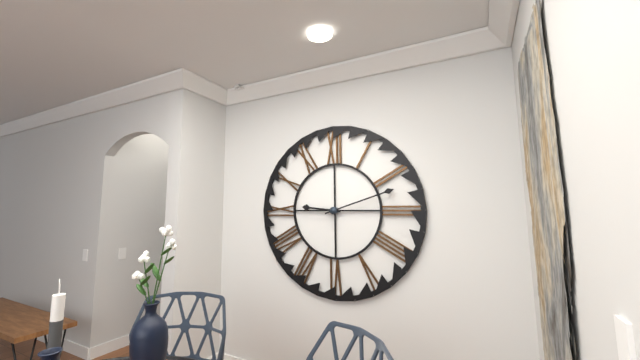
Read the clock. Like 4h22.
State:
9h12
